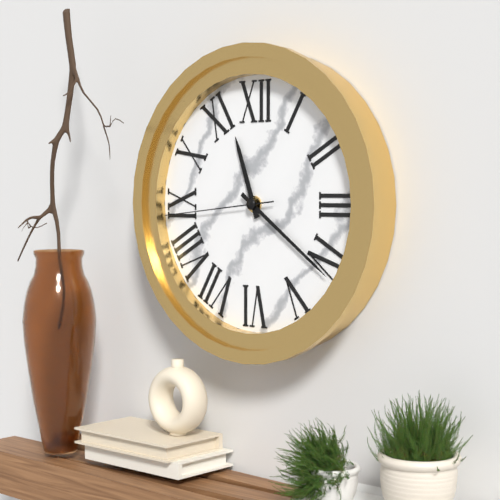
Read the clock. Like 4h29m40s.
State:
11h21m44s
